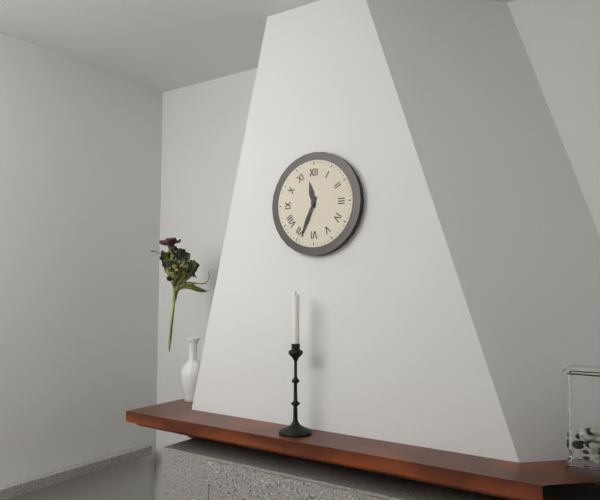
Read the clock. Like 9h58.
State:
11h34
